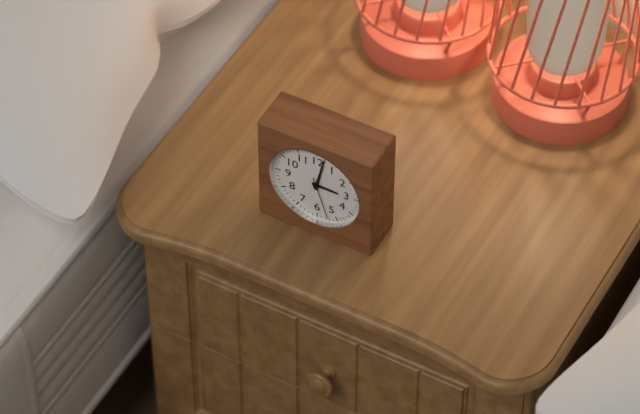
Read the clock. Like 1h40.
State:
3h02
